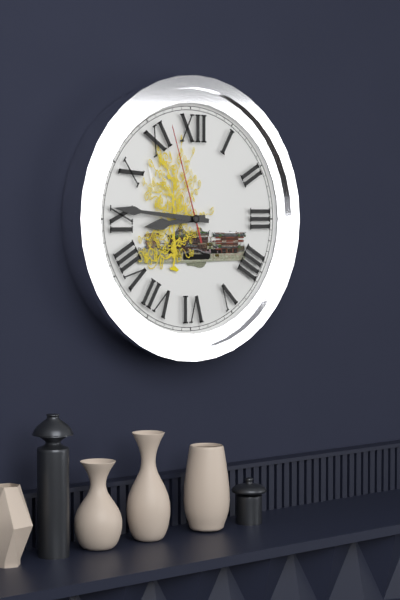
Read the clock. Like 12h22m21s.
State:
8h46m57s
